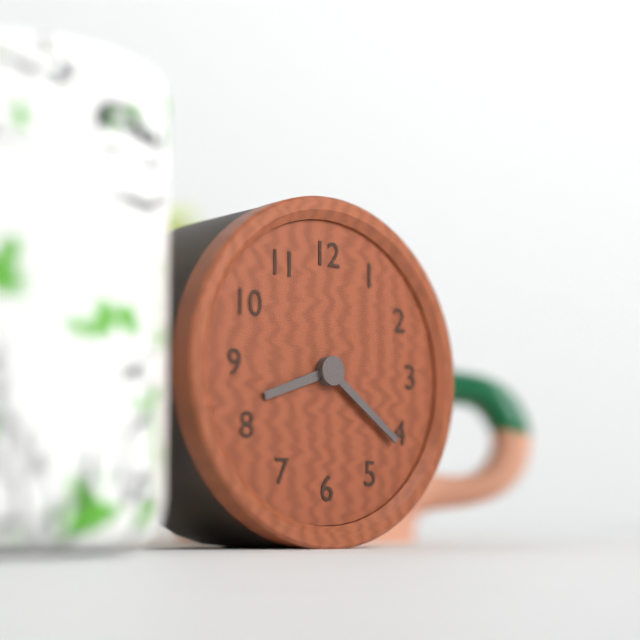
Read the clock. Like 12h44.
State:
8h21
